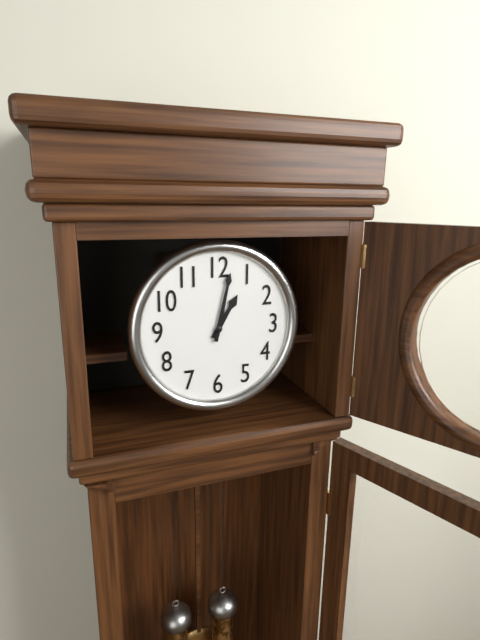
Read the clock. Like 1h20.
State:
1h02
